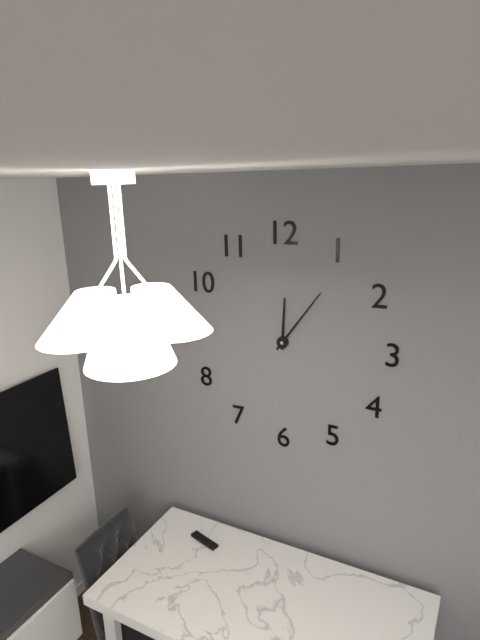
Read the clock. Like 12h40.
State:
12h06
